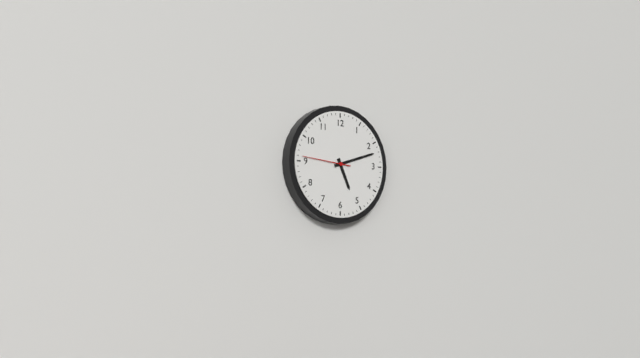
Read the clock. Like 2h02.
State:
5h12
